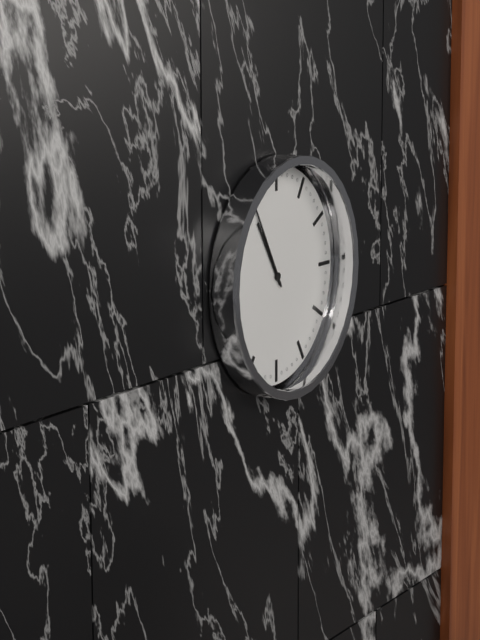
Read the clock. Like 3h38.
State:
10h55
